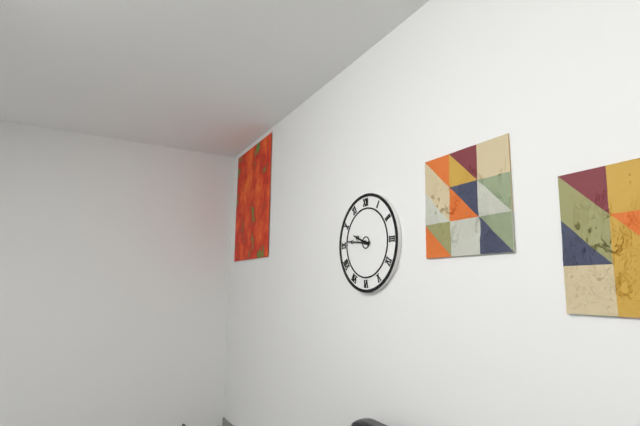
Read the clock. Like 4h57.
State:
9h46
